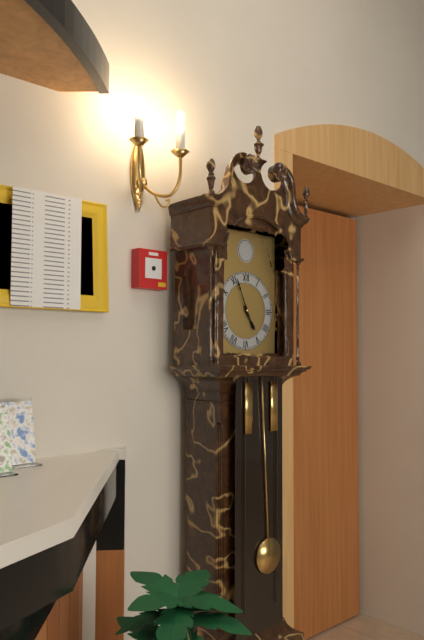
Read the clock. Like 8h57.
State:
4h56
